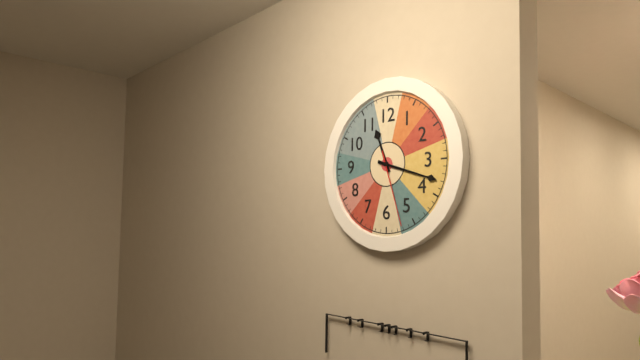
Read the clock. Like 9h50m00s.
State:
11h18m27s
